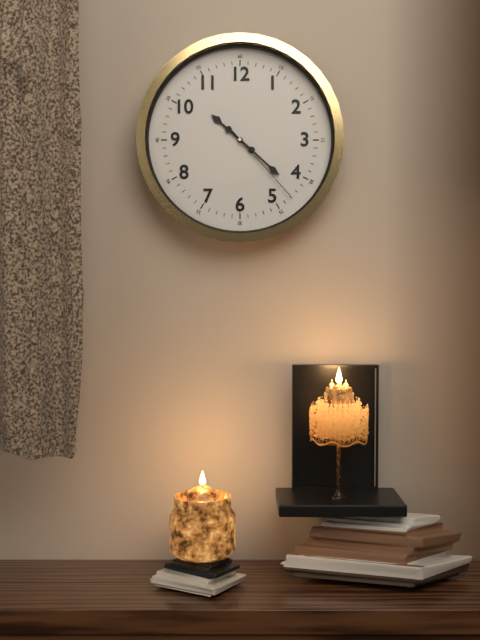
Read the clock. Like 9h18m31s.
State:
10h22m23s
